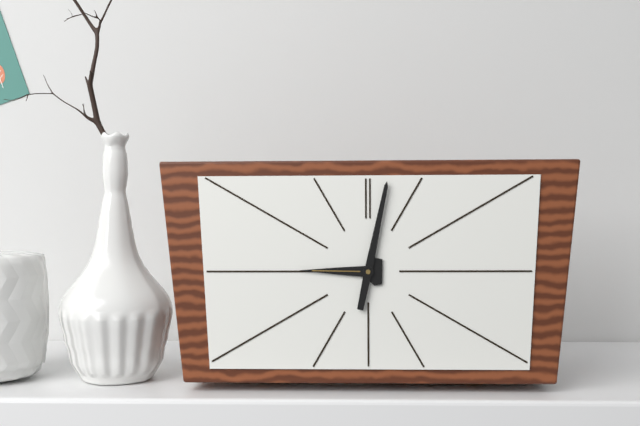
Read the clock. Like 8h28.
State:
9h02
